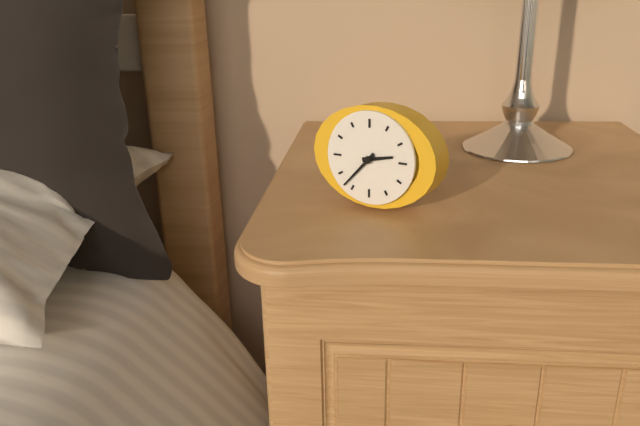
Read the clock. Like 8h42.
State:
2h37
